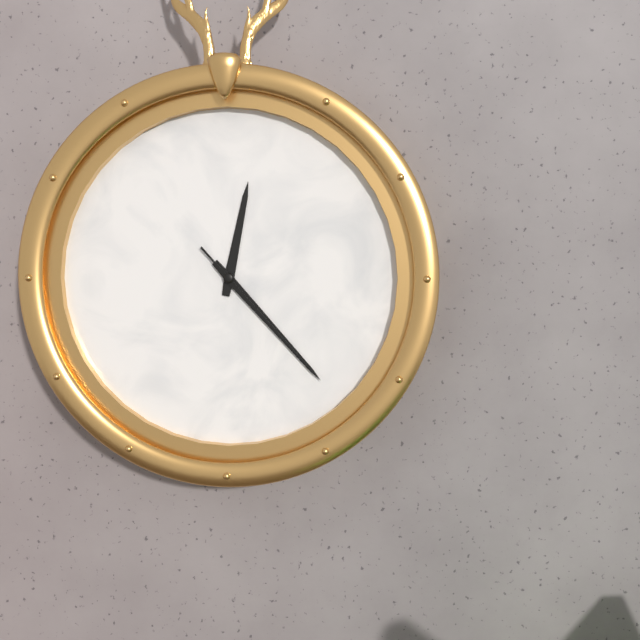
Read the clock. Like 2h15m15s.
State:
12h23m23s
